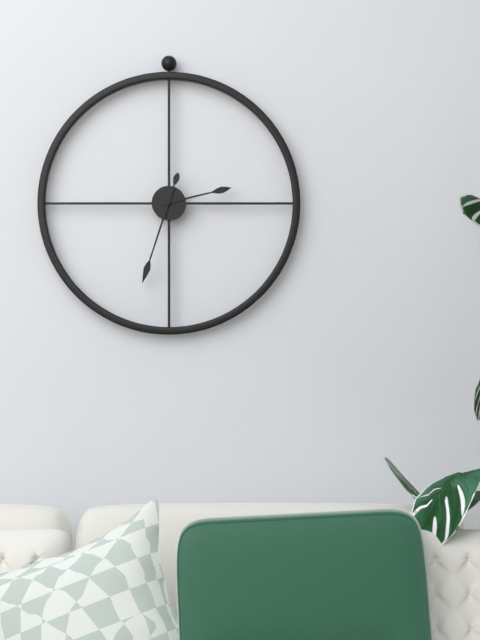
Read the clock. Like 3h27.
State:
2h33
